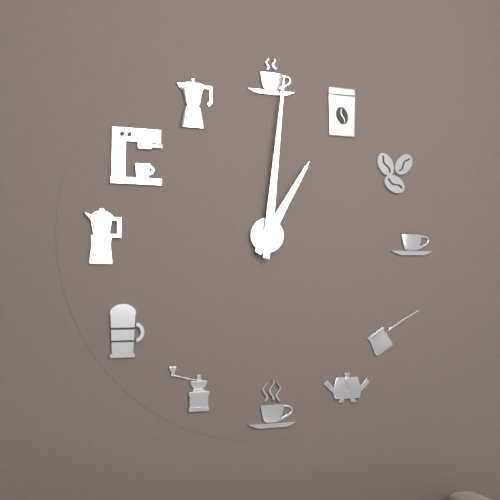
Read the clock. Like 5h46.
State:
1h01
